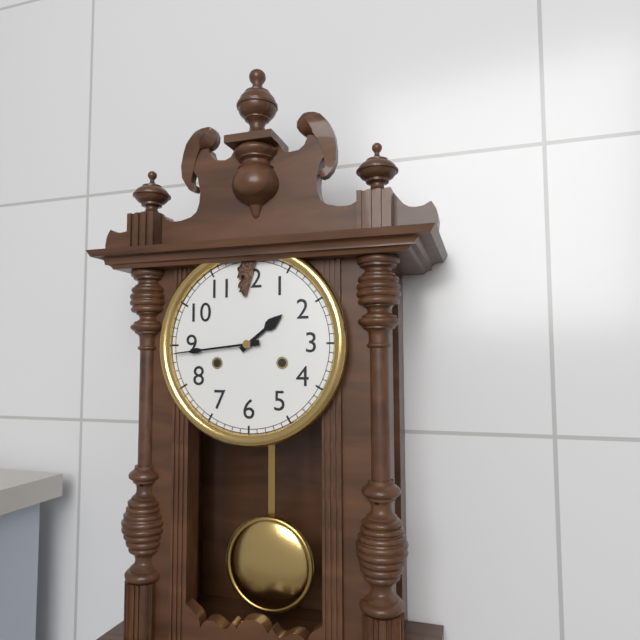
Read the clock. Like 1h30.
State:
1h44
